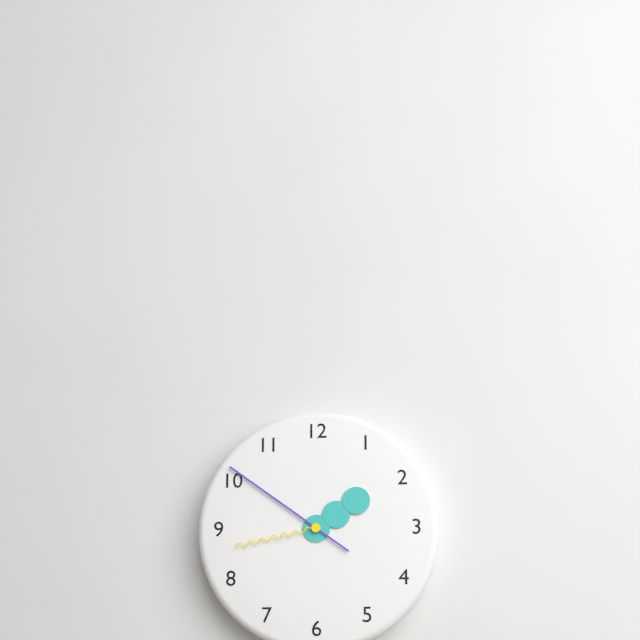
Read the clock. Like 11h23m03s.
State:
1h51m43s
